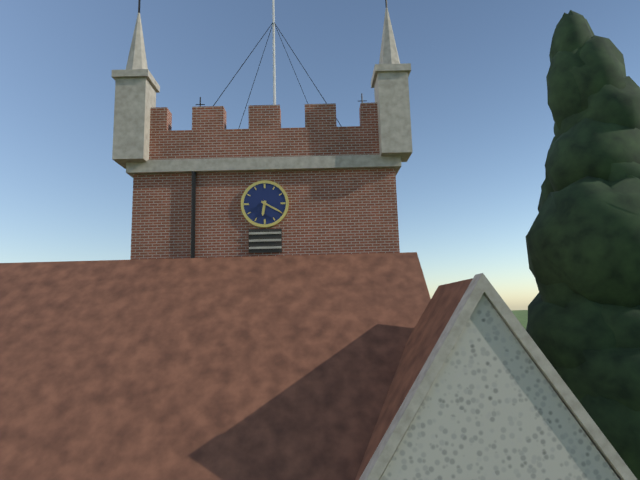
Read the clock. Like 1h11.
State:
6h20
